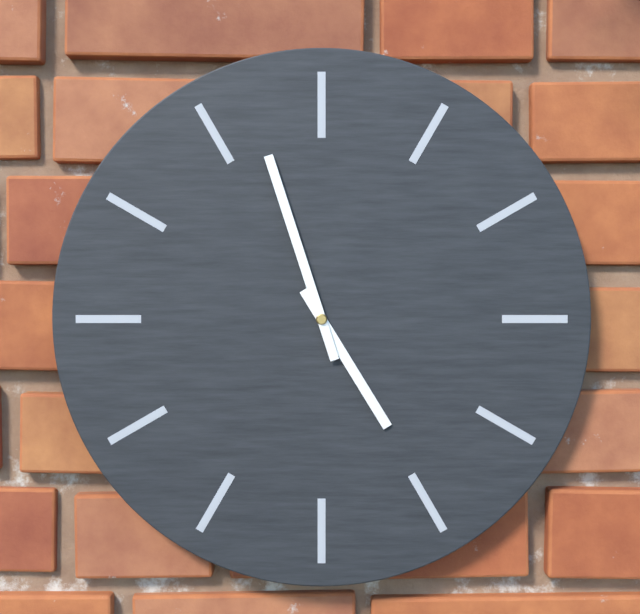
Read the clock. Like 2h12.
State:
4h57
